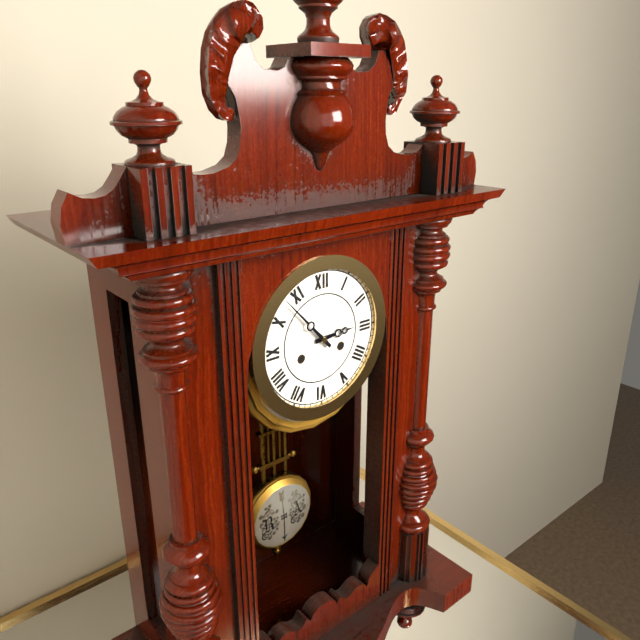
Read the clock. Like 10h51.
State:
2h53
